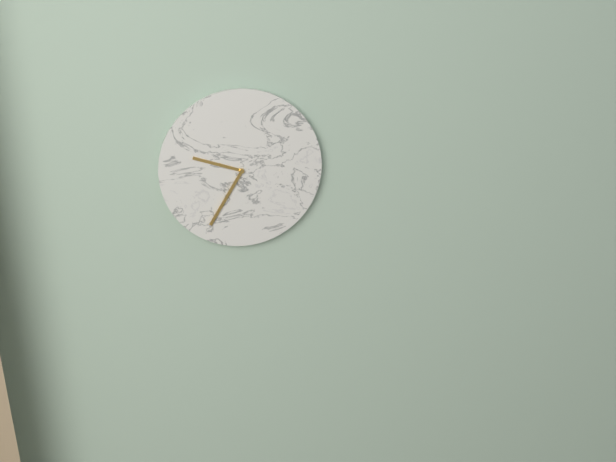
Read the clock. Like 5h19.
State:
9h35
